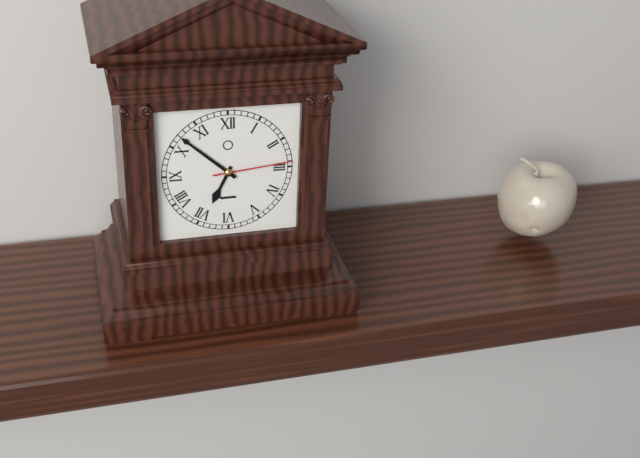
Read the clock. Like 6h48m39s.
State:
6h52m14s
